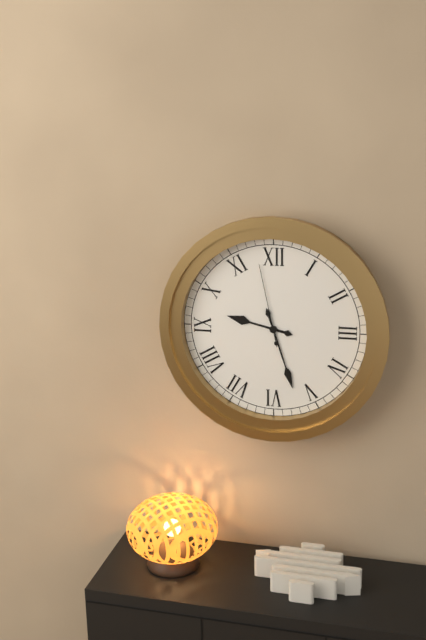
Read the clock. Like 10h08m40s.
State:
9h27m58s
